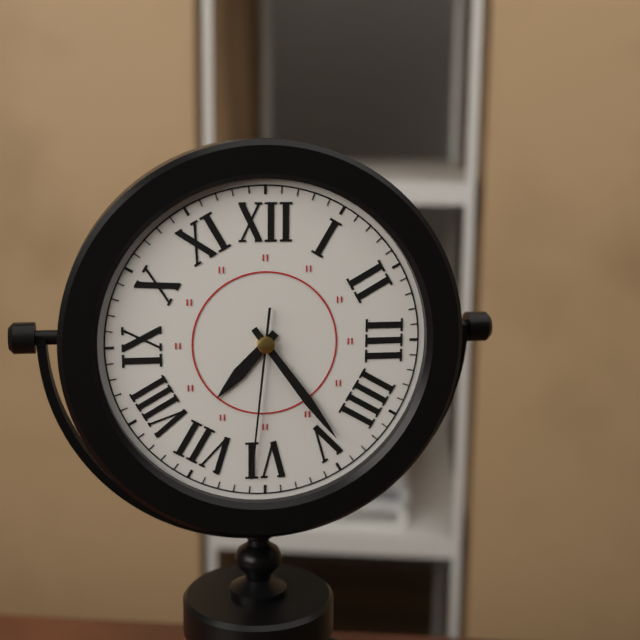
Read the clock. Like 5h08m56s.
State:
7h24m31s
